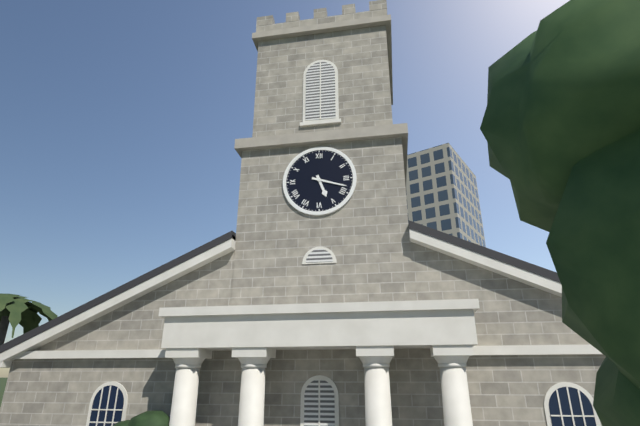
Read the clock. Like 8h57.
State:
5h18
